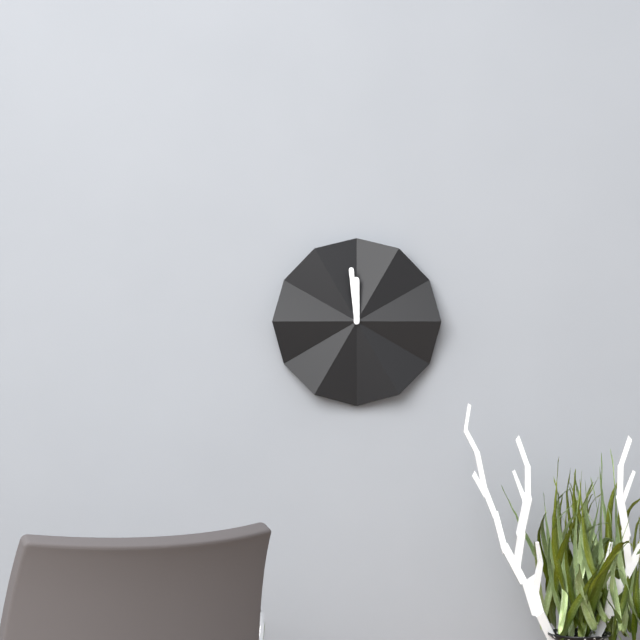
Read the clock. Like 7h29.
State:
11h59
